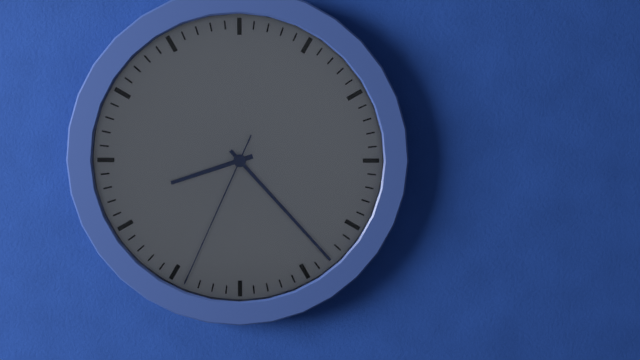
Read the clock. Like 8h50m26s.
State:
8h23m34s
